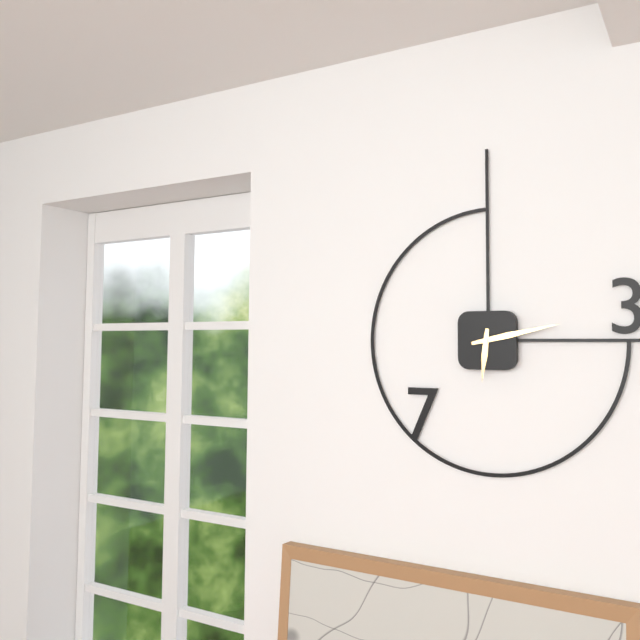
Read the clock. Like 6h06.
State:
6h13
